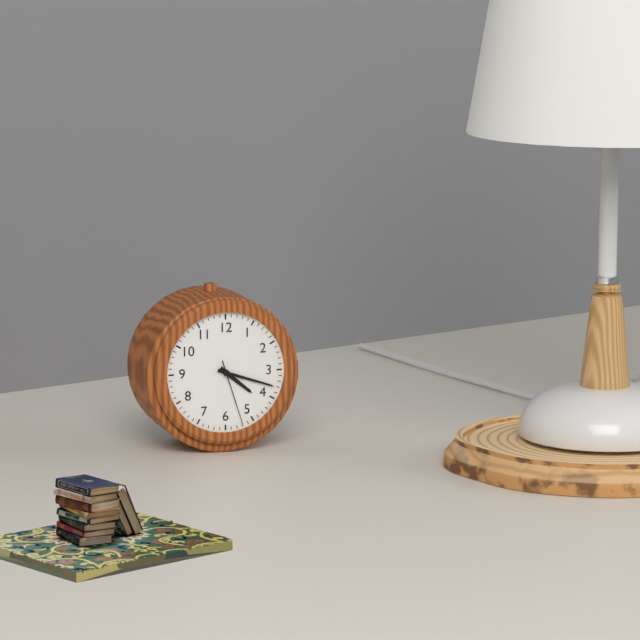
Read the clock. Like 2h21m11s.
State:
4h18m27s
